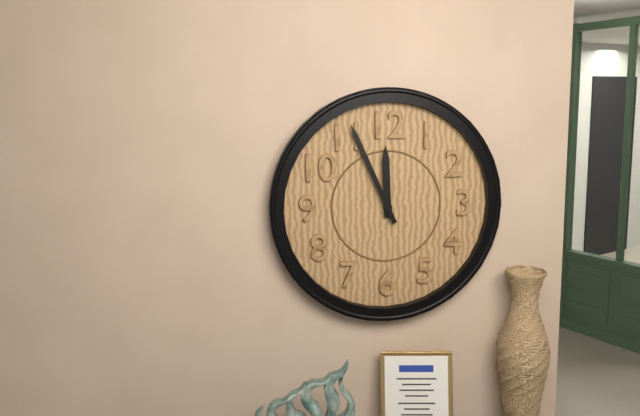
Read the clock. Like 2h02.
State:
11h56
